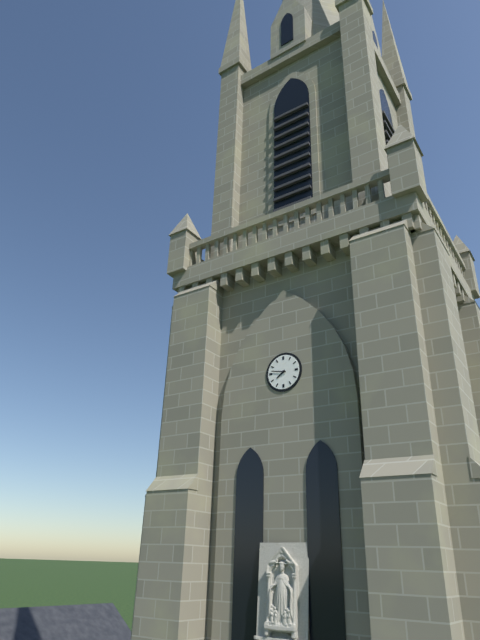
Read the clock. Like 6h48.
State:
7h47
